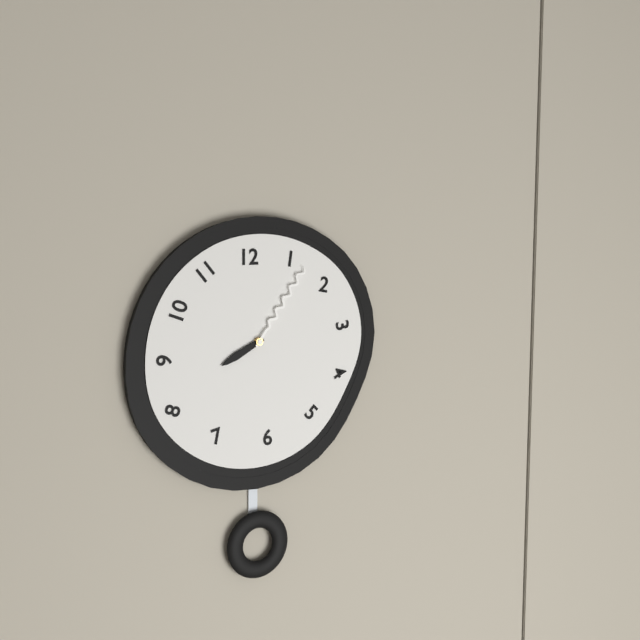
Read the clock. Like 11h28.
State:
8h06
